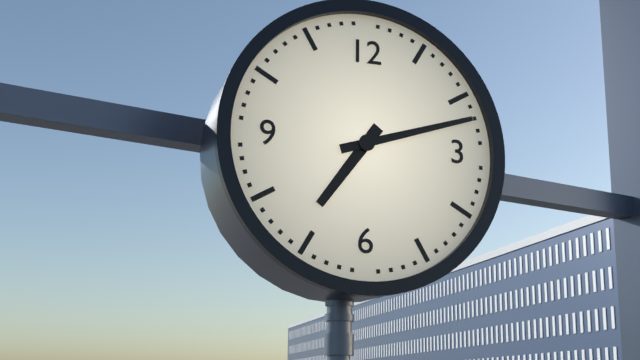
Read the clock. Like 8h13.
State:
7h12
